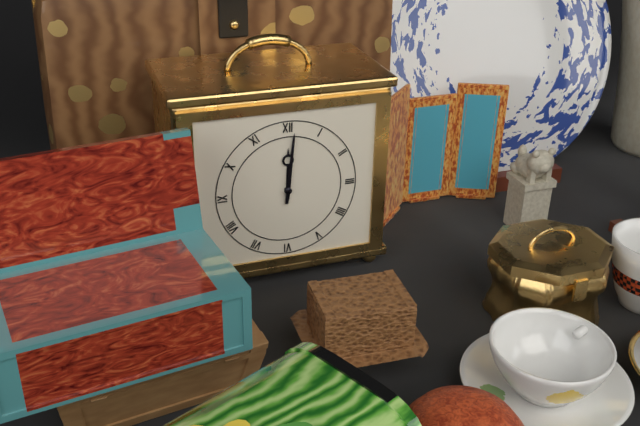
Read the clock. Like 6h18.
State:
12h01
